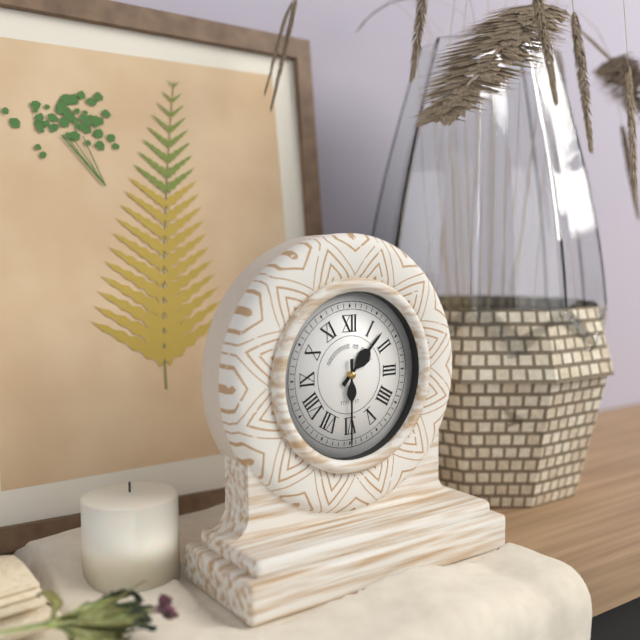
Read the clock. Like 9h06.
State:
1h30
